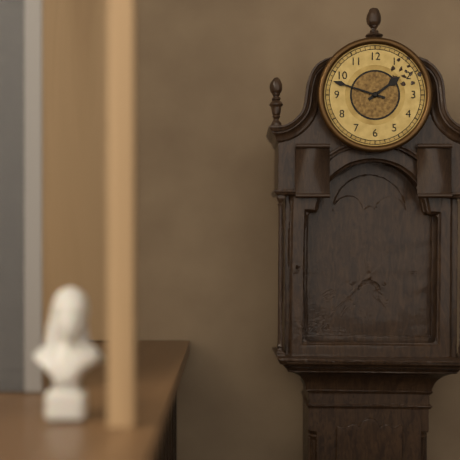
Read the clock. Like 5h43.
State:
1h48
